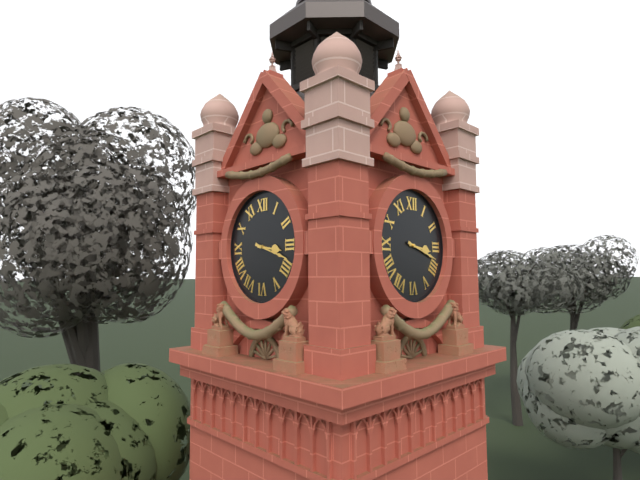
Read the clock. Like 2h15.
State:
3h18
